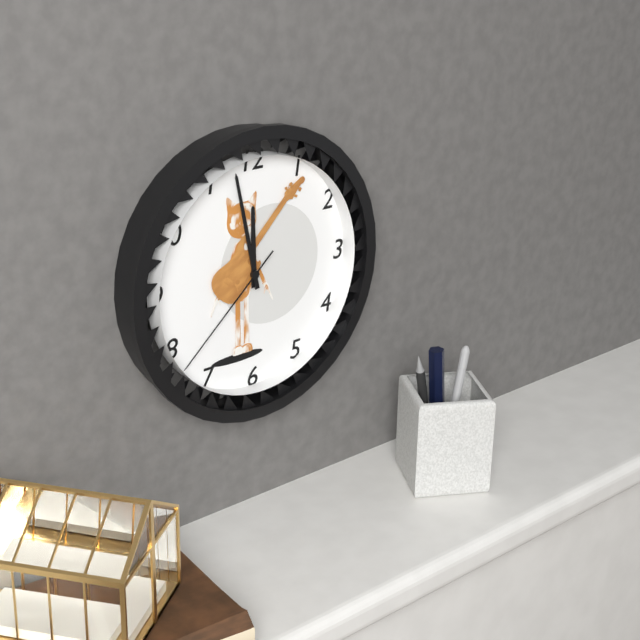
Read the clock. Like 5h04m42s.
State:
11h58m38s
